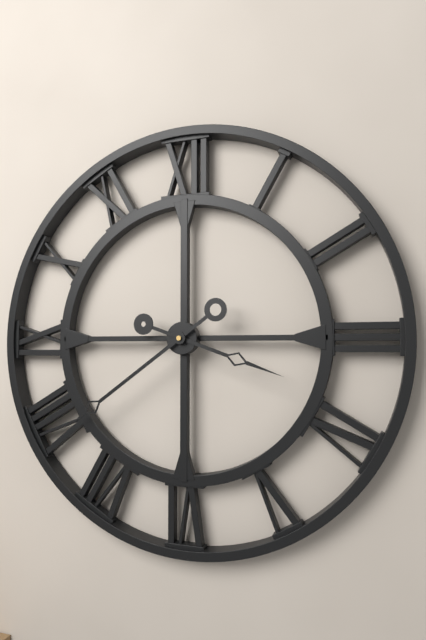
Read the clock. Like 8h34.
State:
3h39
